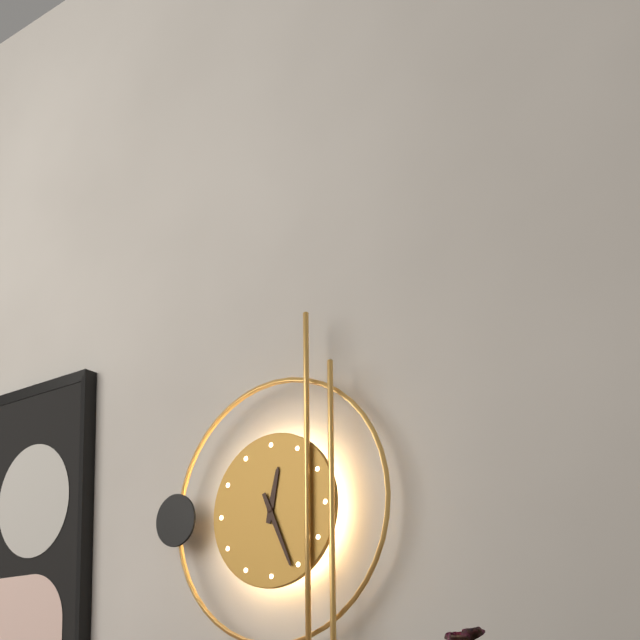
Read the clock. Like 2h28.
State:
12h26
